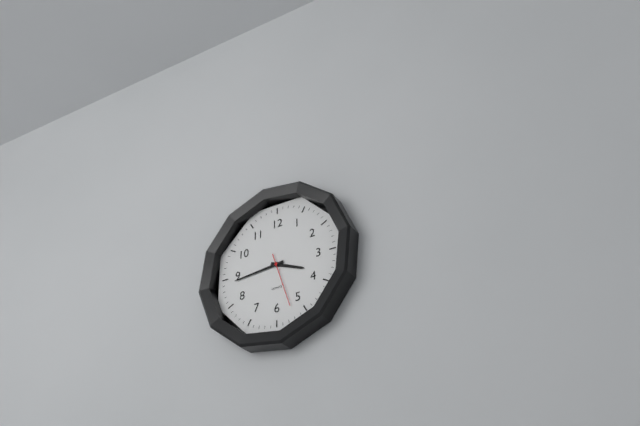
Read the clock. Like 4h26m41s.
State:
3h44m27s
